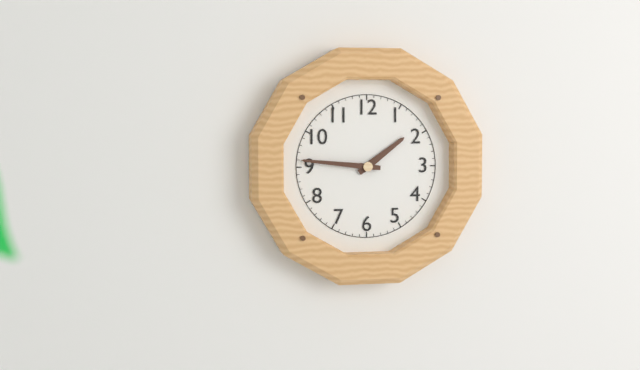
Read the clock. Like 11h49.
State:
1h46
